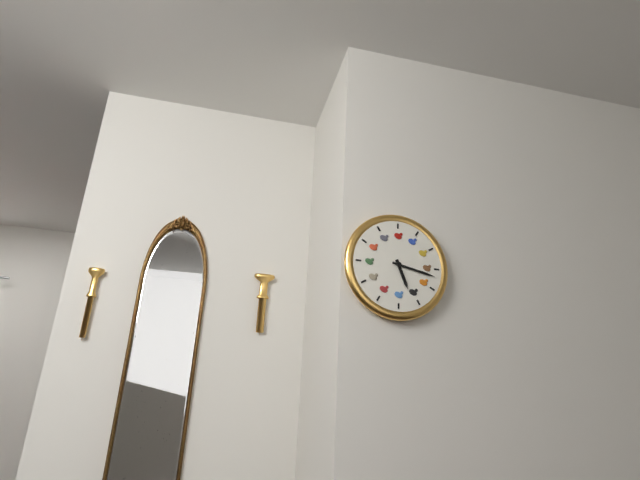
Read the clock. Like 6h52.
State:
5h17
